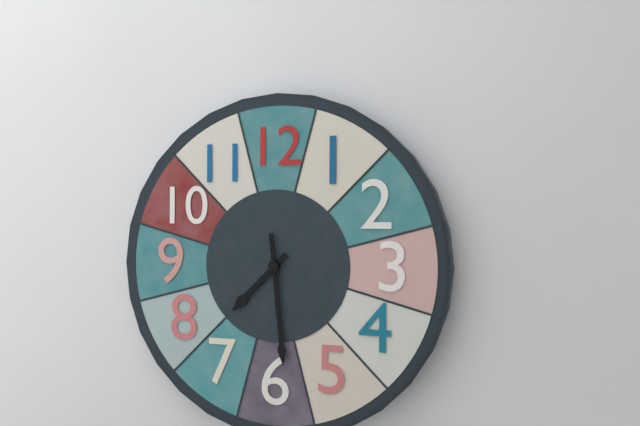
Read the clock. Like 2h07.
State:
7h29
